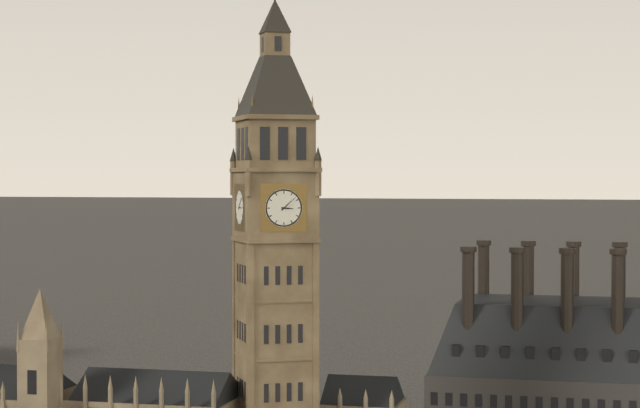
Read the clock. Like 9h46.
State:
3h08
